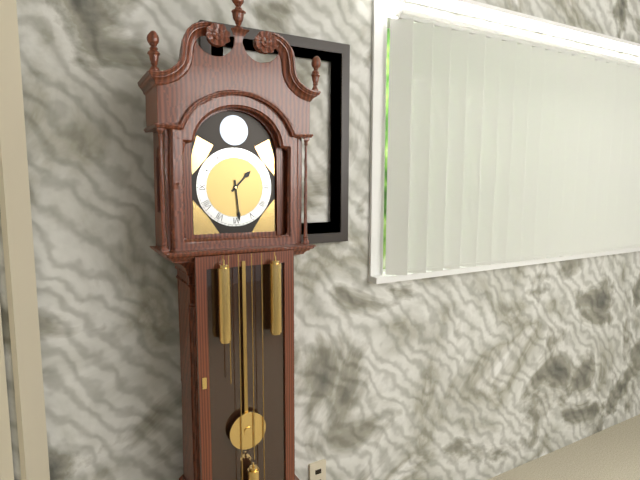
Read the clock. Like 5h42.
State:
1h29
